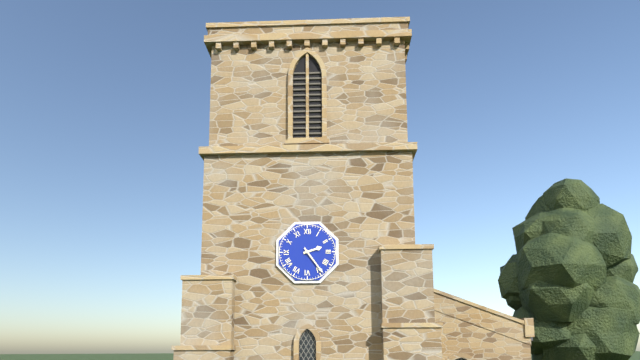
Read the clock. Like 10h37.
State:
2h24
